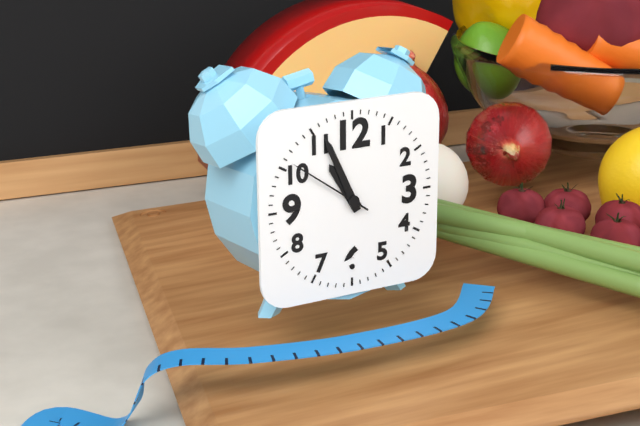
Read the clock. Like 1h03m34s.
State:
10h56m51s
